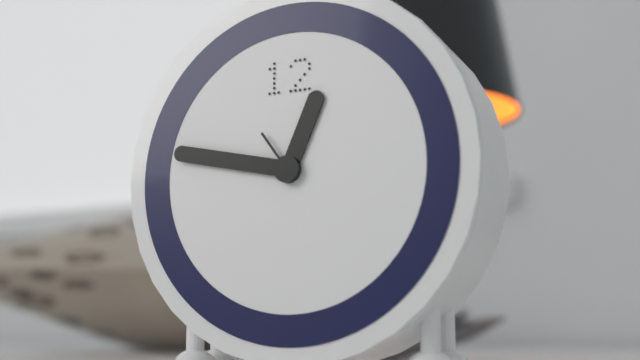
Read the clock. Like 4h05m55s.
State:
12h47m54s
